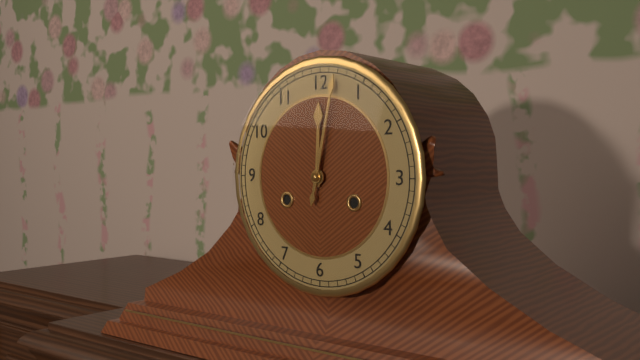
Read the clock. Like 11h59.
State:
12h02
